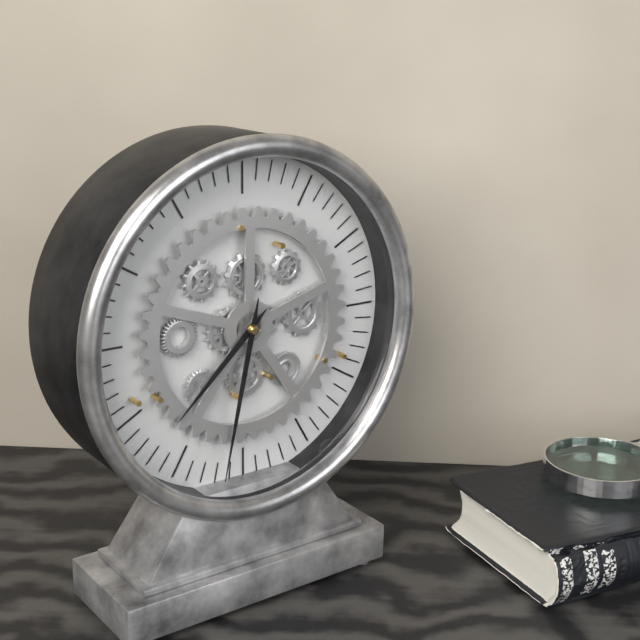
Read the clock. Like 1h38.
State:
7h32
